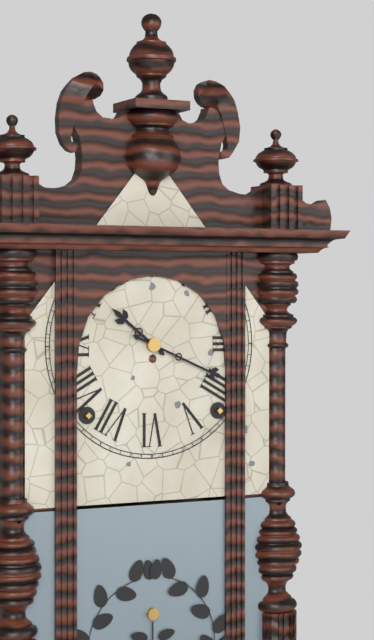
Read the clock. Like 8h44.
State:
10h19
